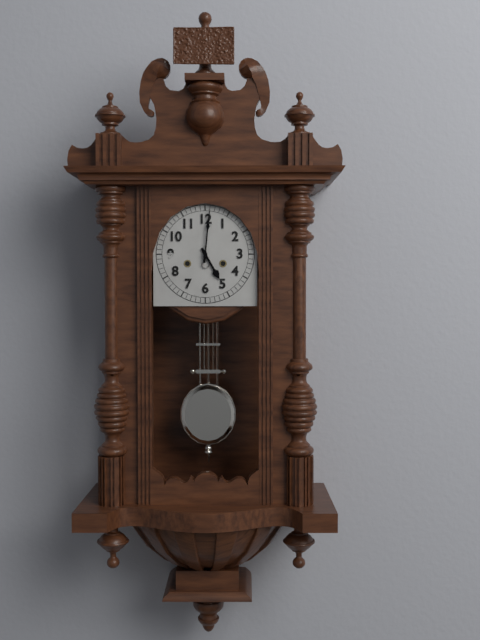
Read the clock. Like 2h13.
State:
5h01
